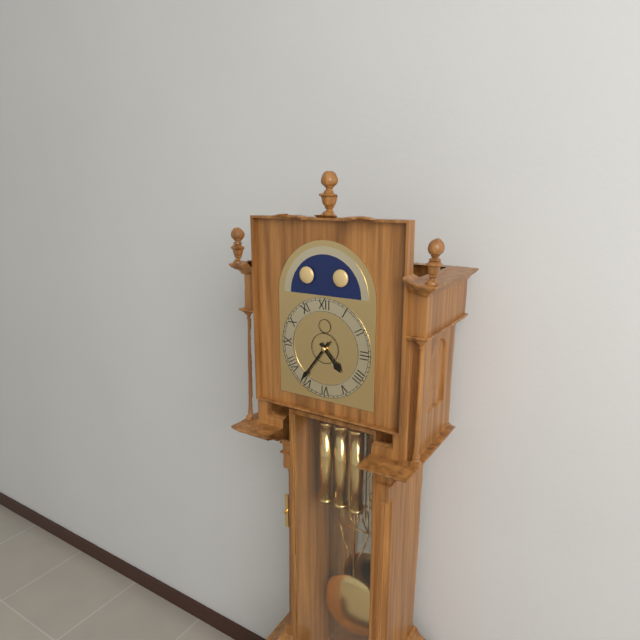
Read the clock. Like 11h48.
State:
4h36
